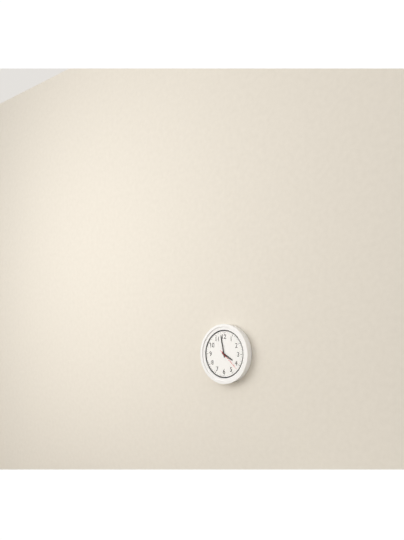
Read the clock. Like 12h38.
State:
3h58
